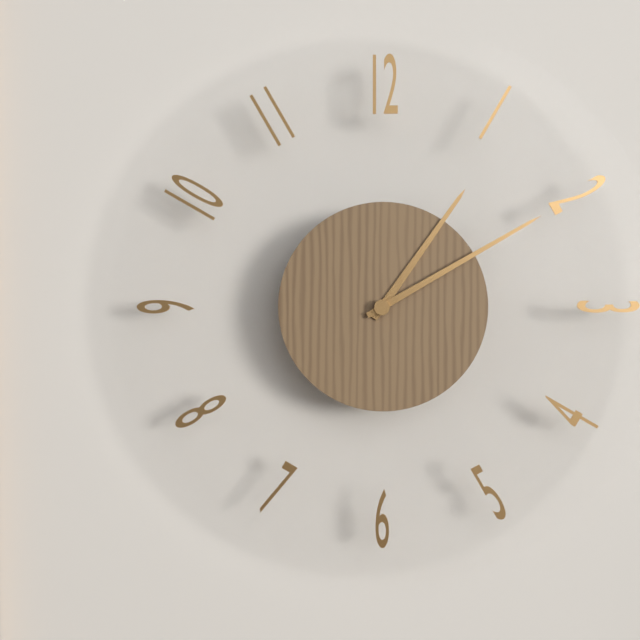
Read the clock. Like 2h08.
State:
1h10
